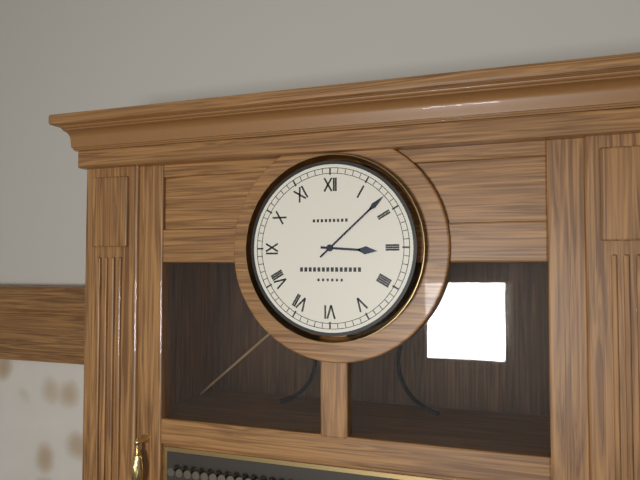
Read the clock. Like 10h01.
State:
3h08
